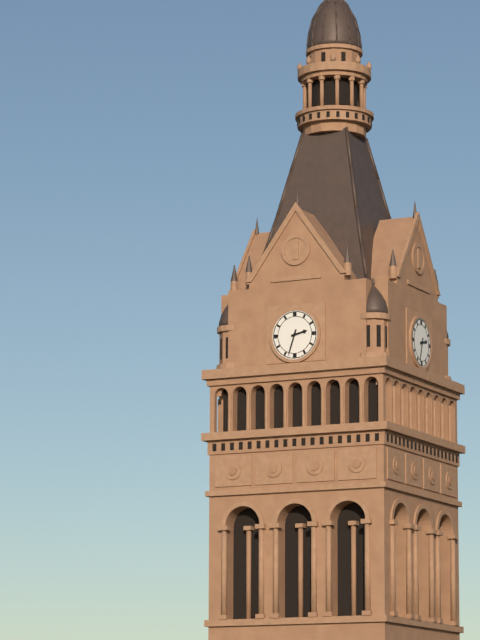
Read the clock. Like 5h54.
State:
2h33
